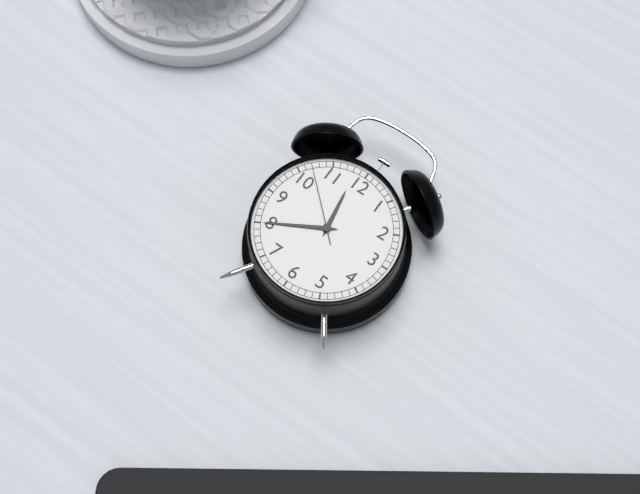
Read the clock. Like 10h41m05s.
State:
11h40m52s
